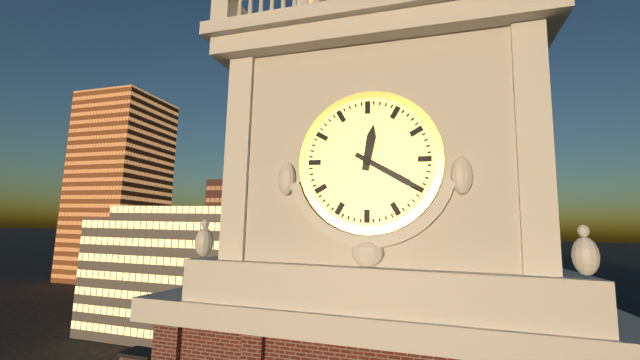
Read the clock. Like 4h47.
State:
12h20
